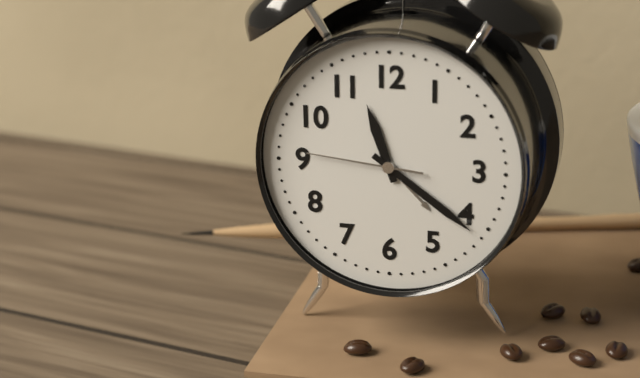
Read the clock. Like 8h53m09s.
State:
11h21m46s
